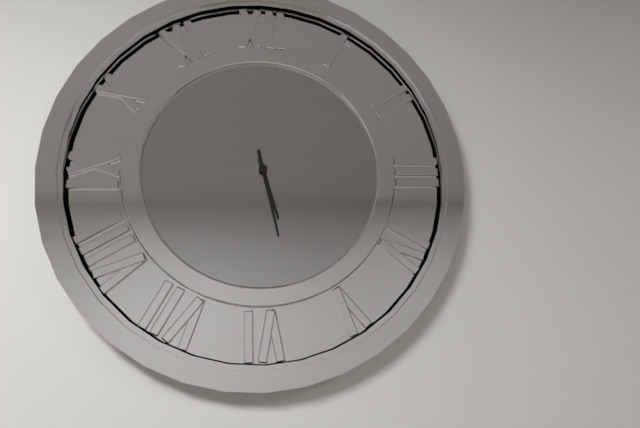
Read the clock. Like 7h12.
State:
5h28
